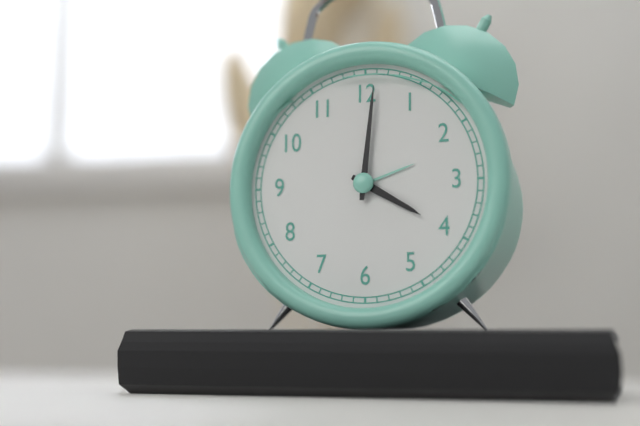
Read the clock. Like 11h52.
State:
4h01
